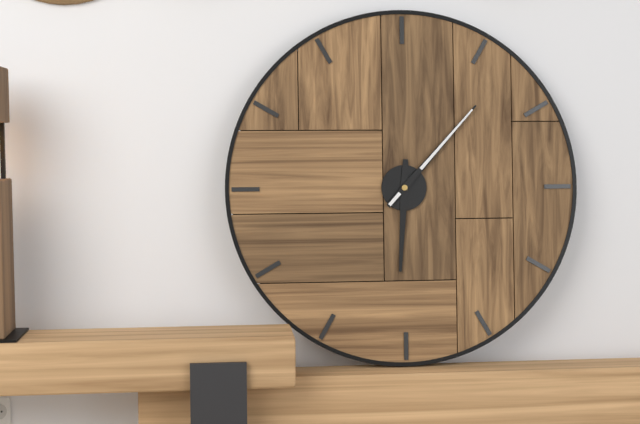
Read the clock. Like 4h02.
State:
6h07
